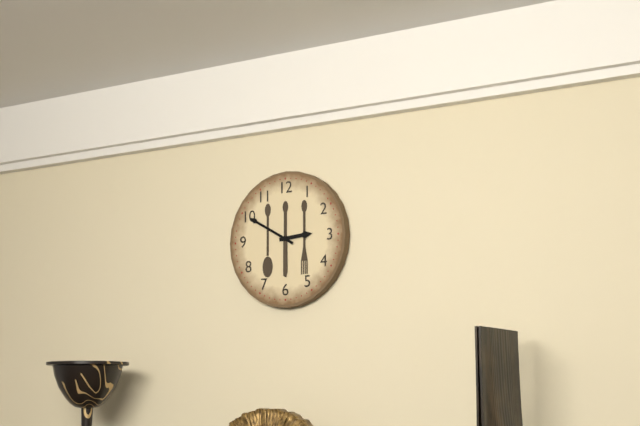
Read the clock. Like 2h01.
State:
2h50
